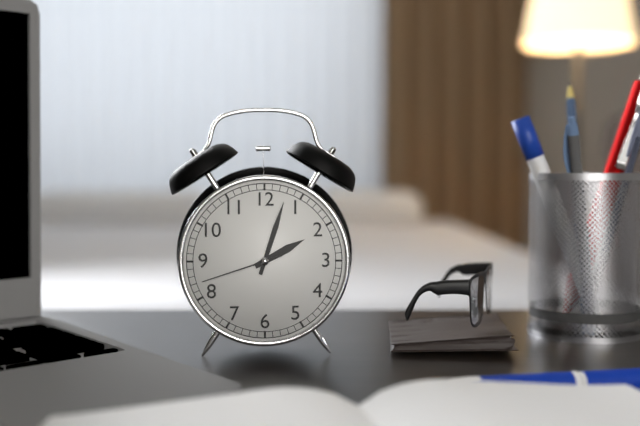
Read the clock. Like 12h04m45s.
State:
2h03m42s
